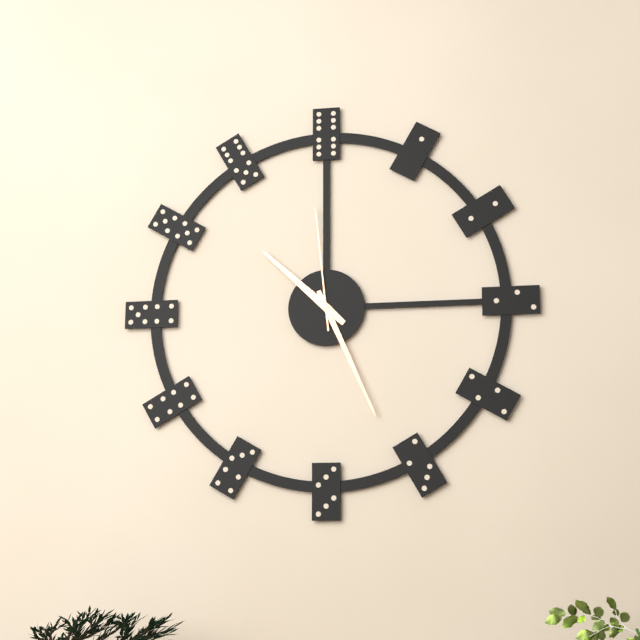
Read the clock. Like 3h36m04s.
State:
10h26m59s
